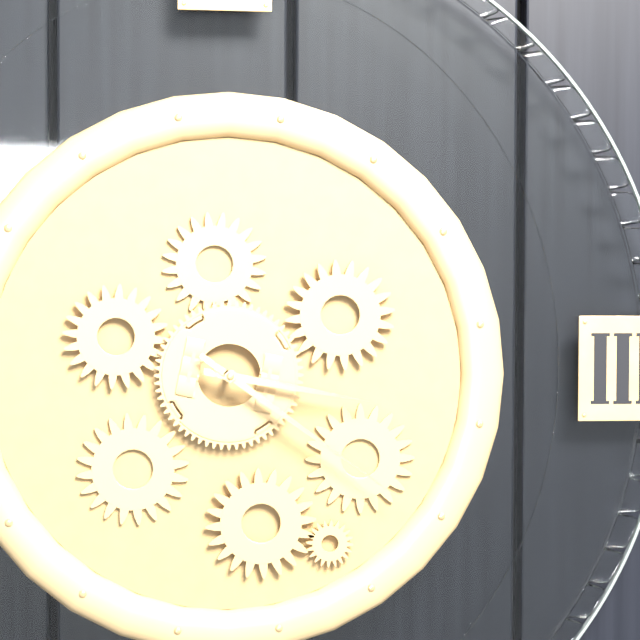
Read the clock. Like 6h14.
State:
3h21
